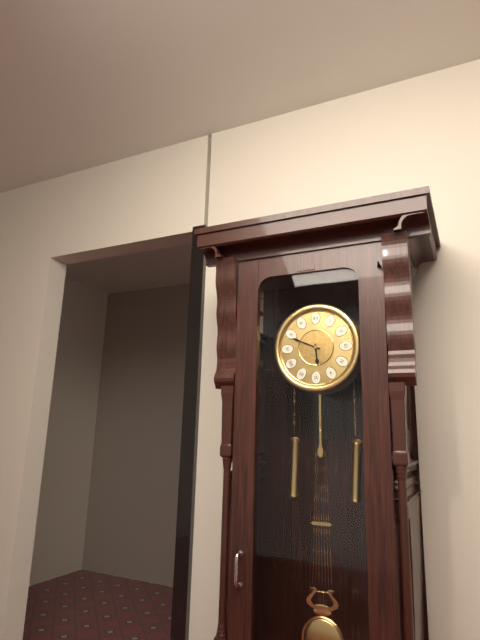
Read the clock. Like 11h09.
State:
5h49
